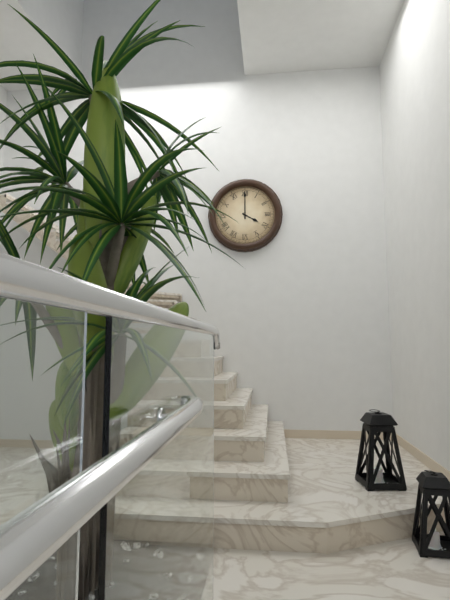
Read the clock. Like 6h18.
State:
4h00
